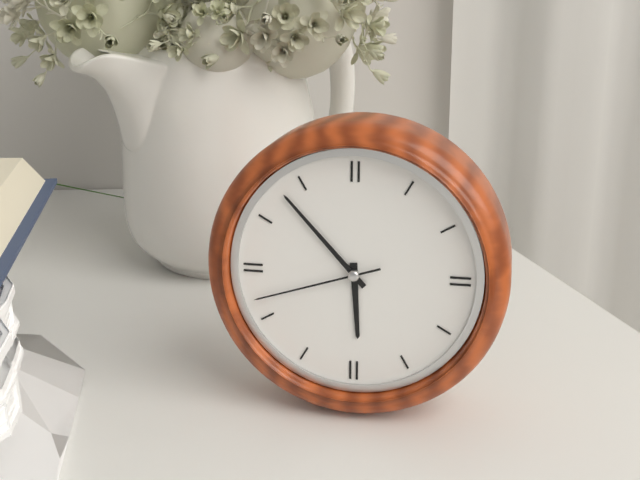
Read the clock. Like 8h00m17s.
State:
5h53m42s
